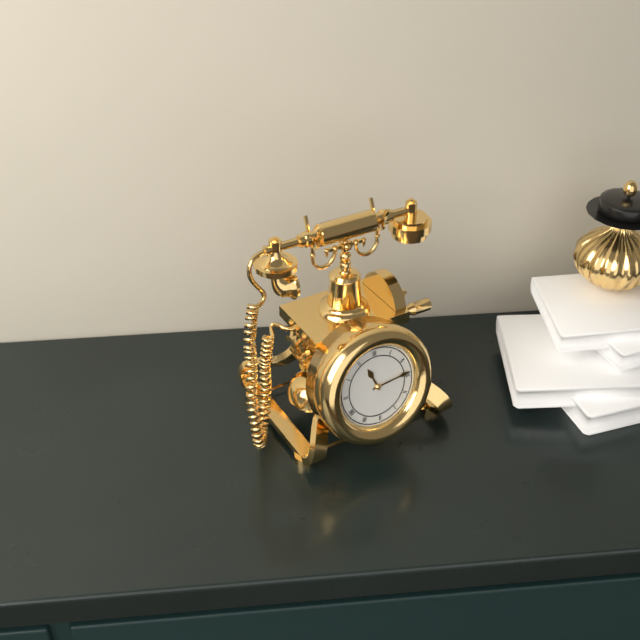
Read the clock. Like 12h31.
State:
11h14
